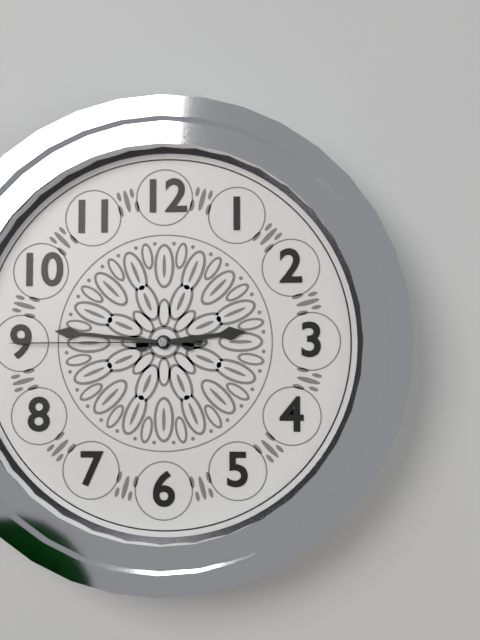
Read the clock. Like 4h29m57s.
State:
2h46m45s
